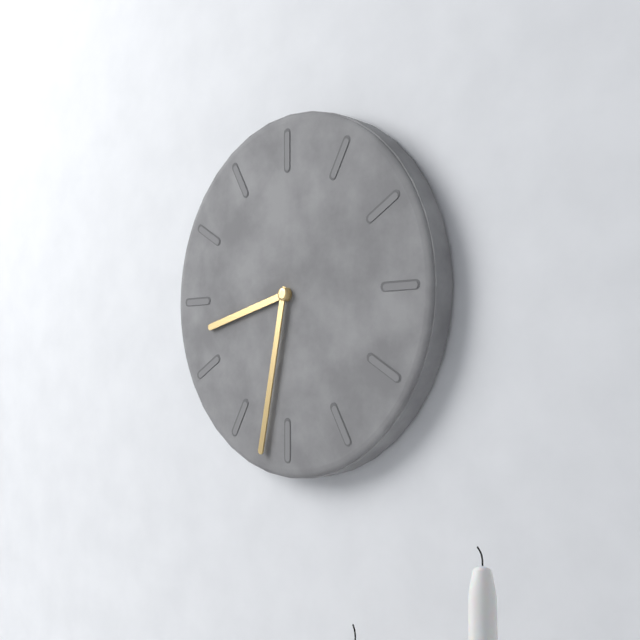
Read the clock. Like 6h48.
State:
8h32
